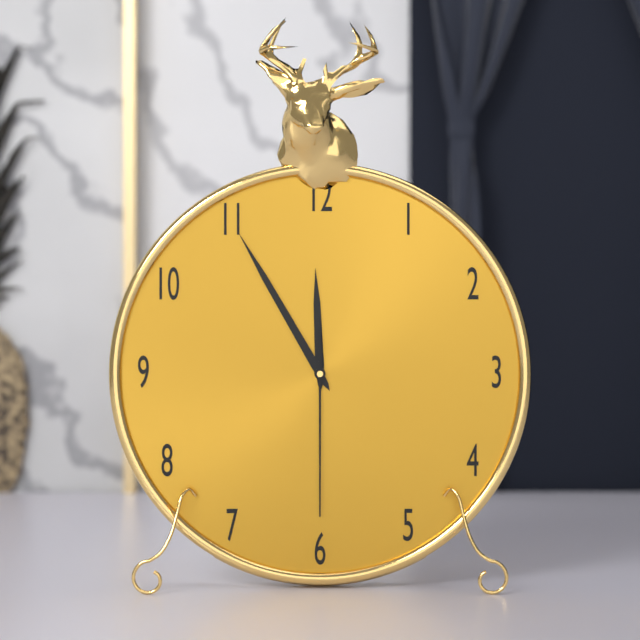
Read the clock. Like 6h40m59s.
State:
11h55m30s
